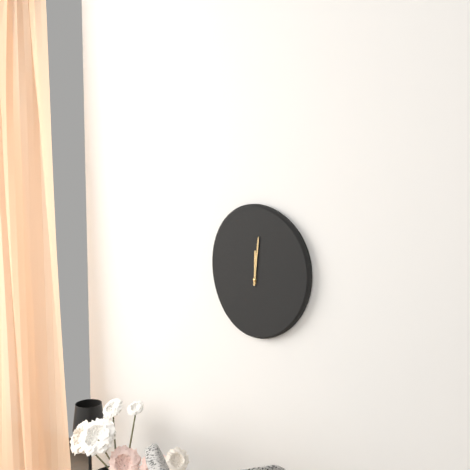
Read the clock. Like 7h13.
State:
12h01
